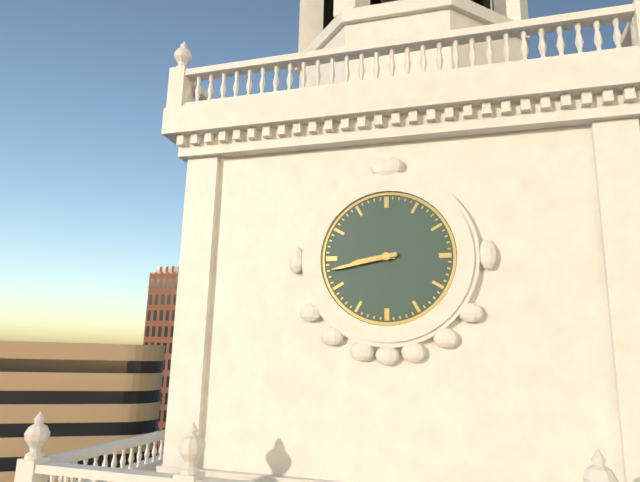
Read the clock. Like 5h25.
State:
8h43
